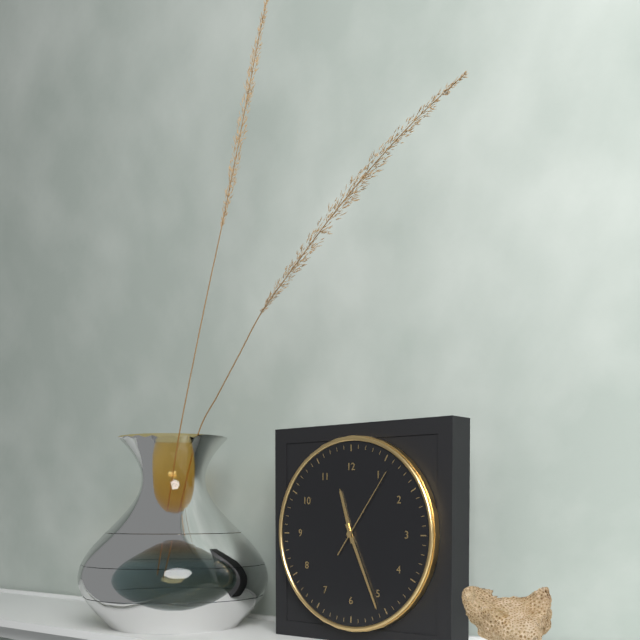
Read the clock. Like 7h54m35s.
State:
11h26m06s
